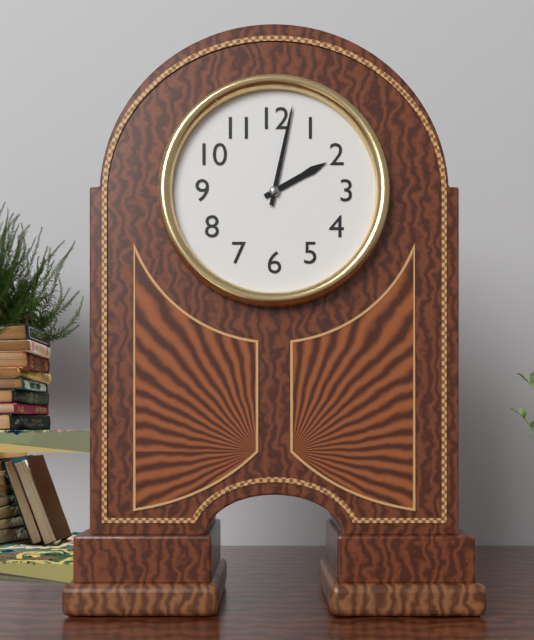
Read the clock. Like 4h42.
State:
2h02
